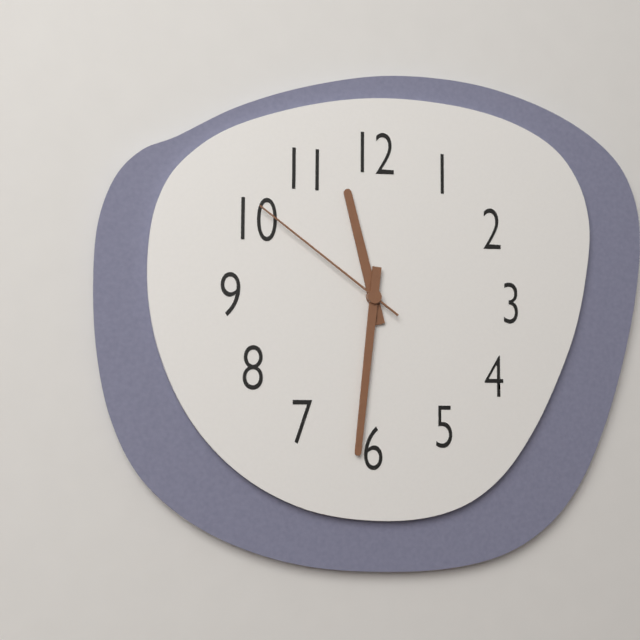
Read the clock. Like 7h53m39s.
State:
11h31m51s
